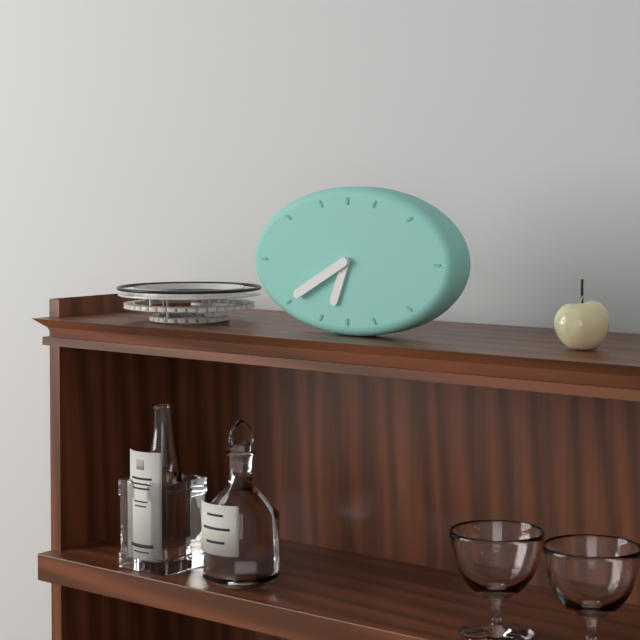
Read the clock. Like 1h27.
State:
6h40
